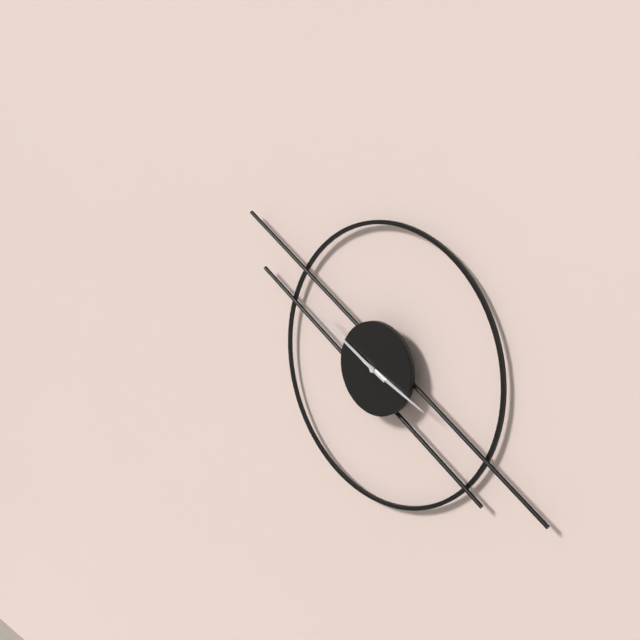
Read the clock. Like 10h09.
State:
3h50
